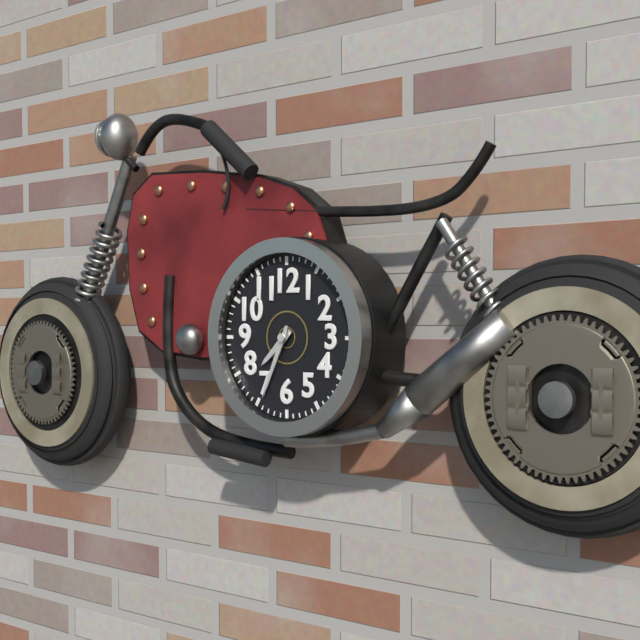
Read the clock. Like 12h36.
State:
7h34
